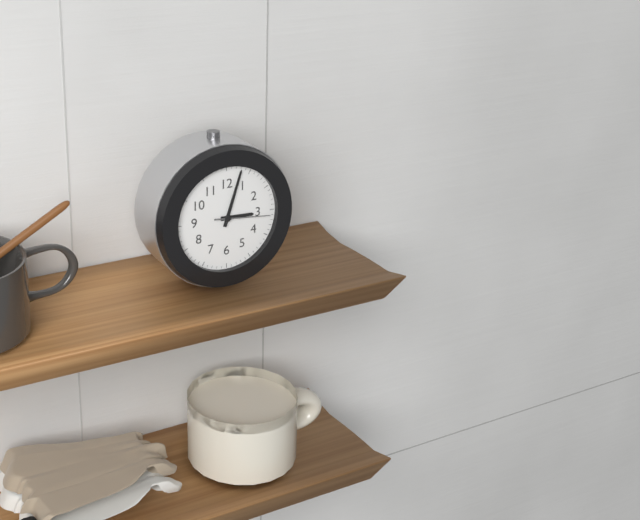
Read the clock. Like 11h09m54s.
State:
3h03m16s
